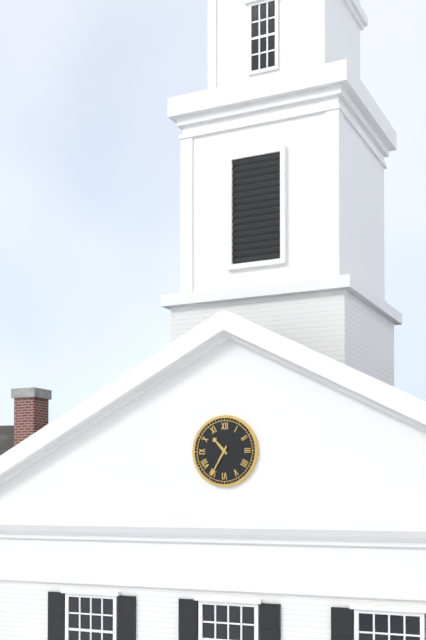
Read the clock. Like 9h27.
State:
10h35
